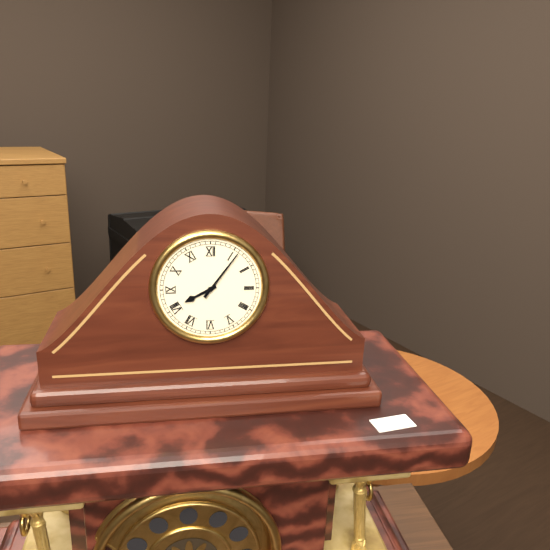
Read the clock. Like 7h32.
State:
8h06
